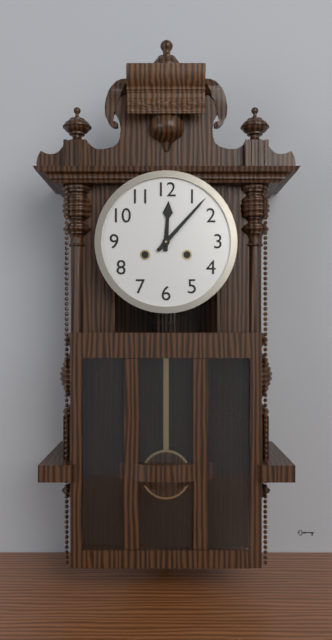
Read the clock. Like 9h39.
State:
12h07
